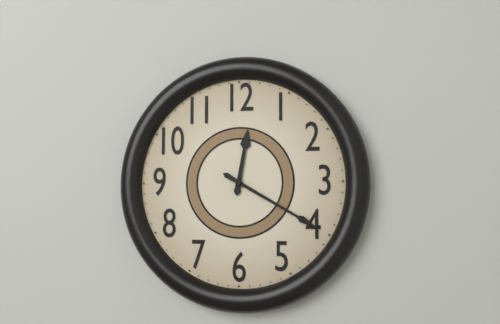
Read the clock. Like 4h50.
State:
12h20
